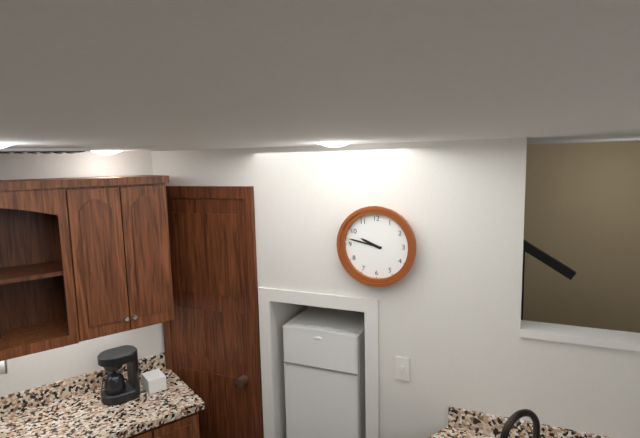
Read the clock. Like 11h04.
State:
9h47
